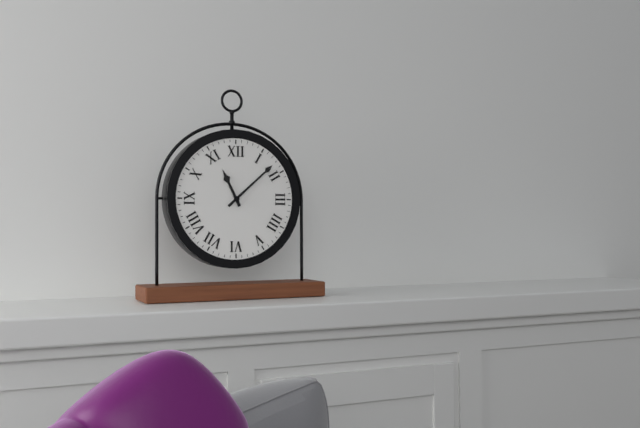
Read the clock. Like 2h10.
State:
11h08
